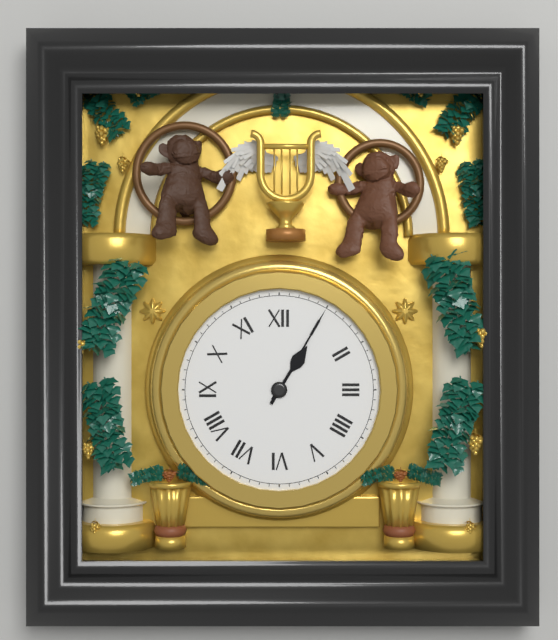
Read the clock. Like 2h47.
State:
1h05
